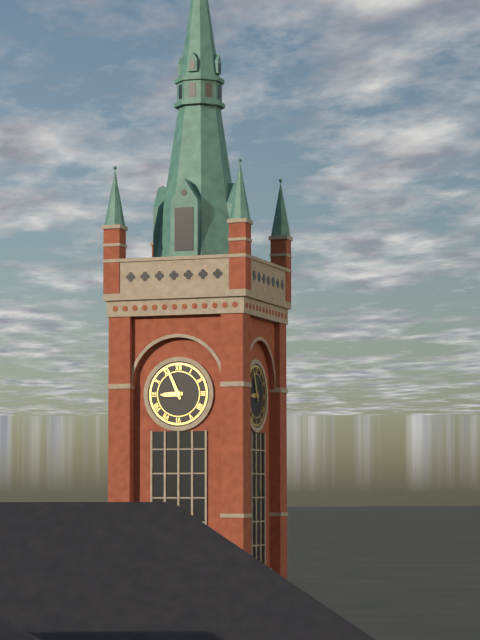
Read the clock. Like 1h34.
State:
8h56
